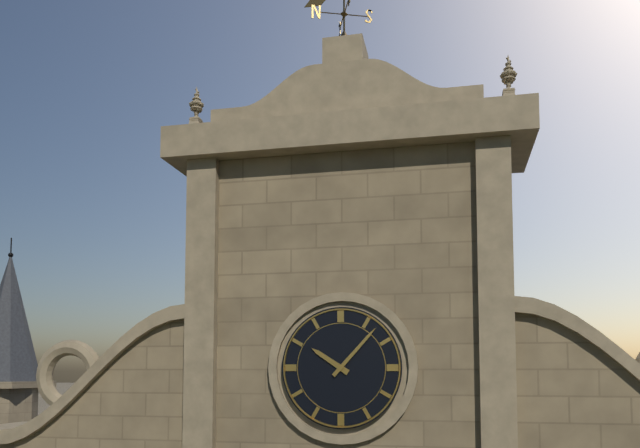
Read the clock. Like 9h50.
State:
10h07
